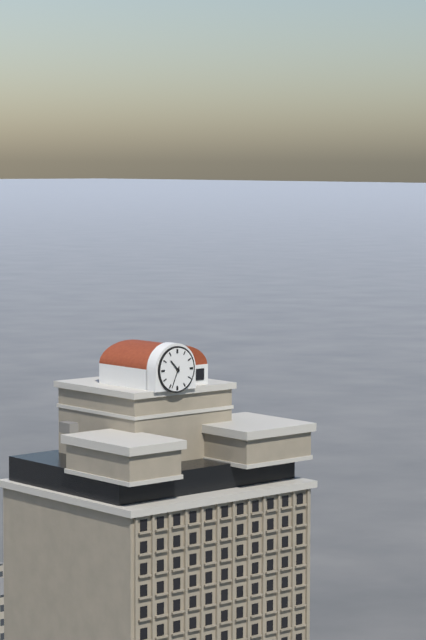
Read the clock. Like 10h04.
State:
10h34
